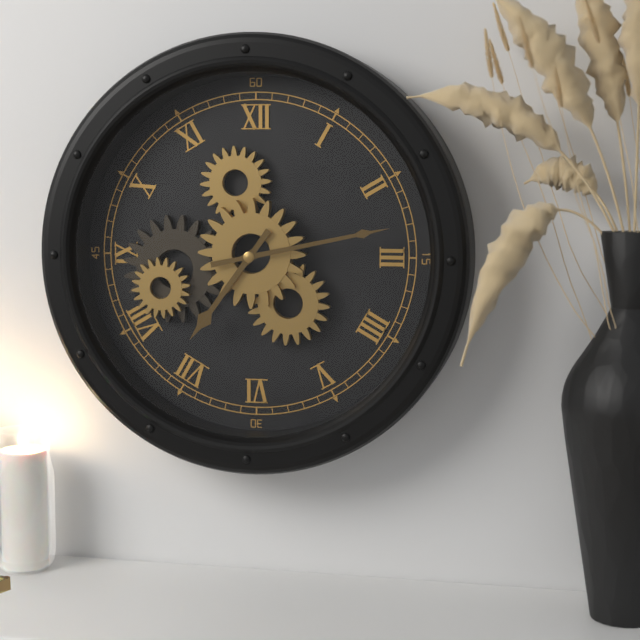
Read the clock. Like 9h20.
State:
7h13
